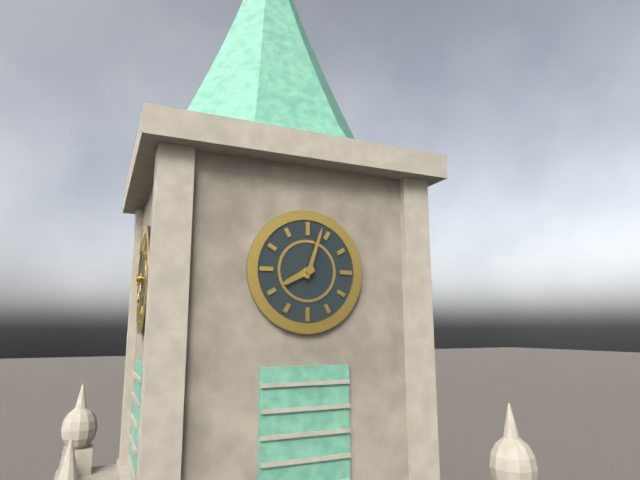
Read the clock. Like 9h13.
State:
8h03
